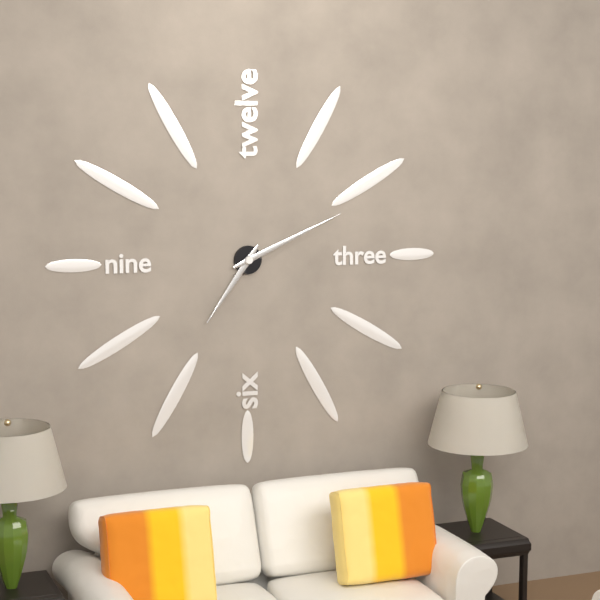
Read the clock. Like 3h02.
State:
7h11
